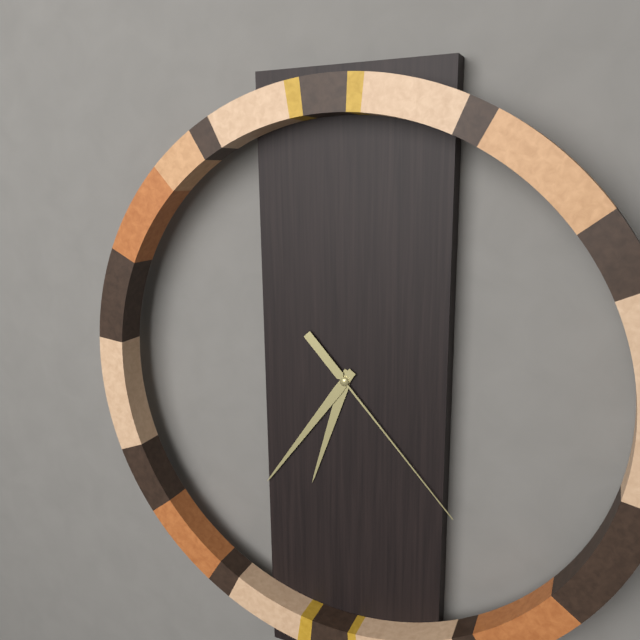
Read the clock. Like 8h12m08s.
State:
6h36m23s
